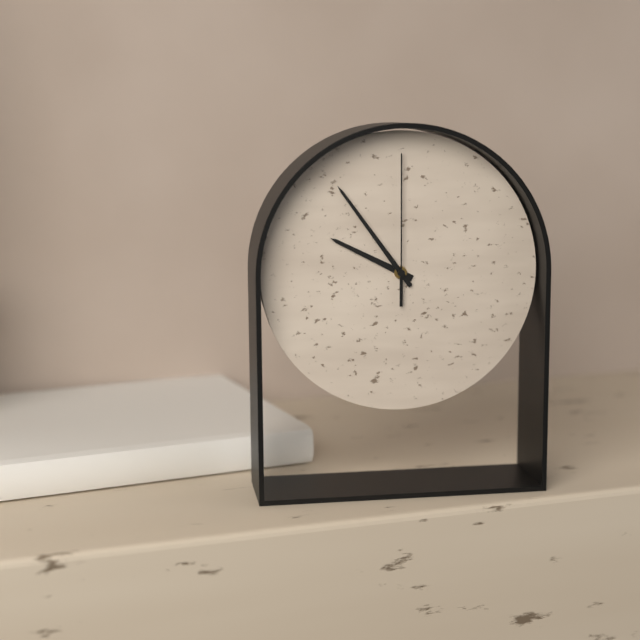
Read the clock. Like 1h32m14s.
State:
9h54m00s
